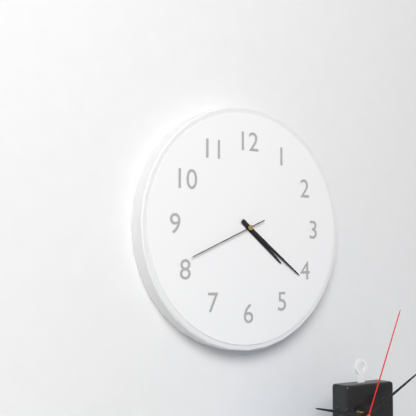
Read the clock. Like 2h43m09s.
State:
4h21m41s
